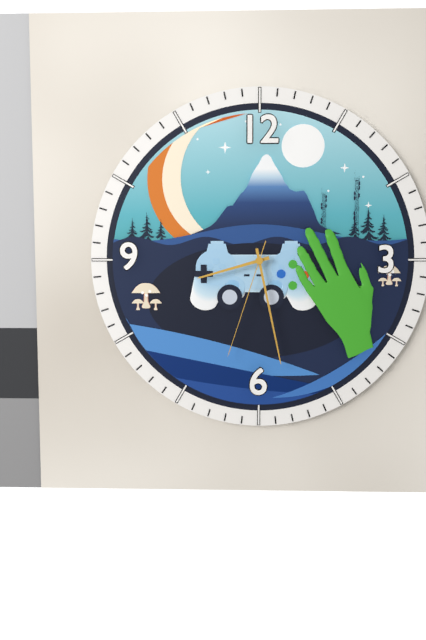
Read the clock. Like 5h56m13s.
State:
8h28m33s
